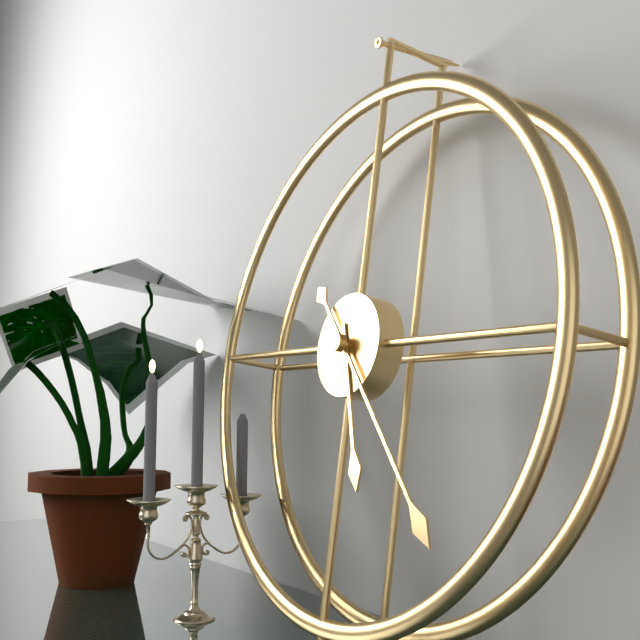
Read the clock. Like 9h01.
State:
5h23
